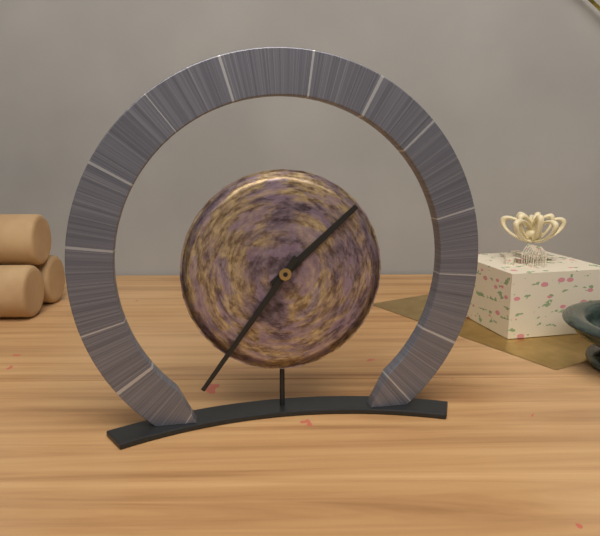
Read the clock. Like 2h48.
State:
1h36
